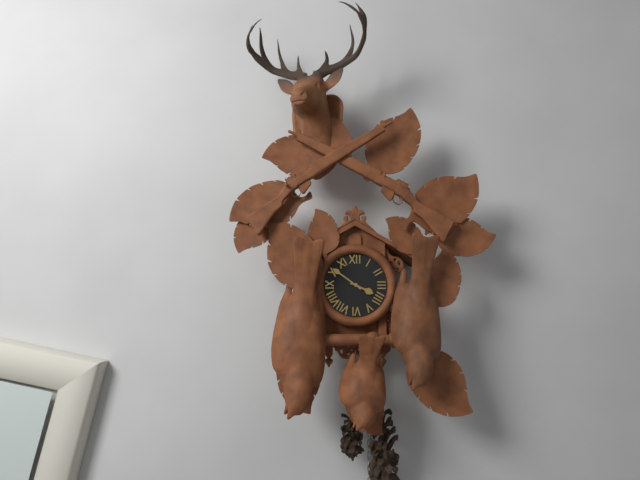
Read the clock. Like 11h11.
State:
3h51
